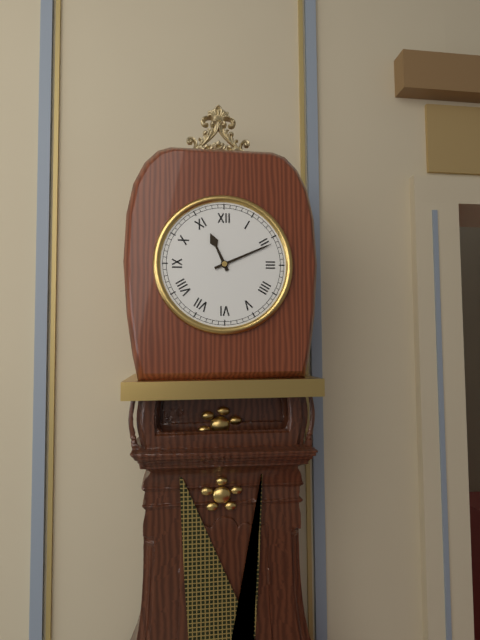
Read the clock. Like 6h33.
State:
11h11
